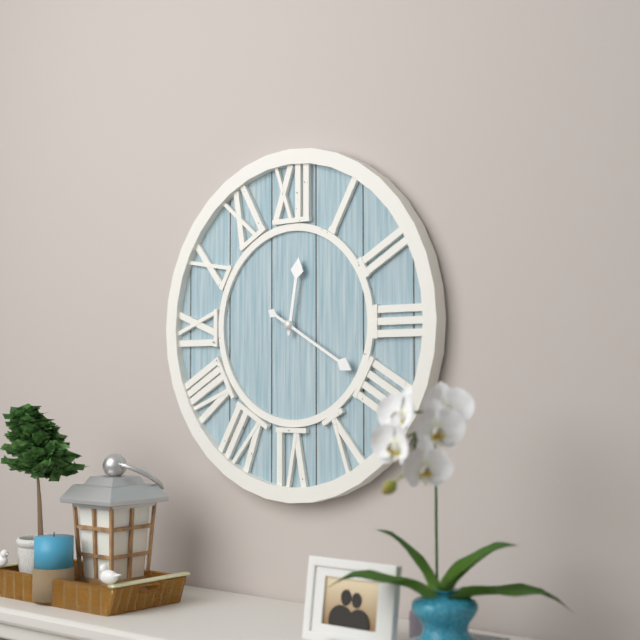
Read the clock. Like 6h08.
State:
12h20
